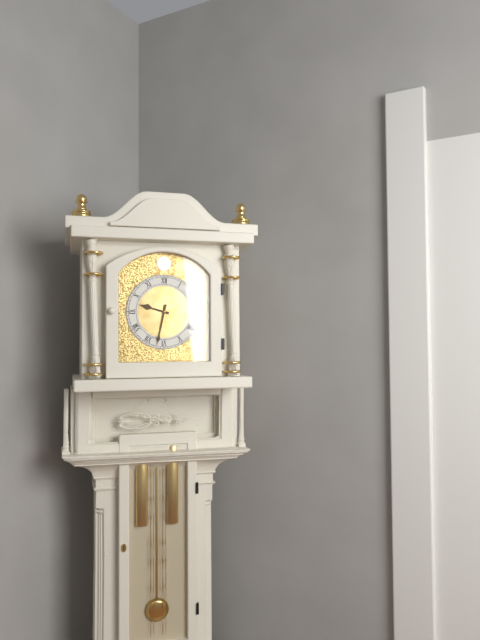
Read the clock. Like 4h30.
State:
9h32
